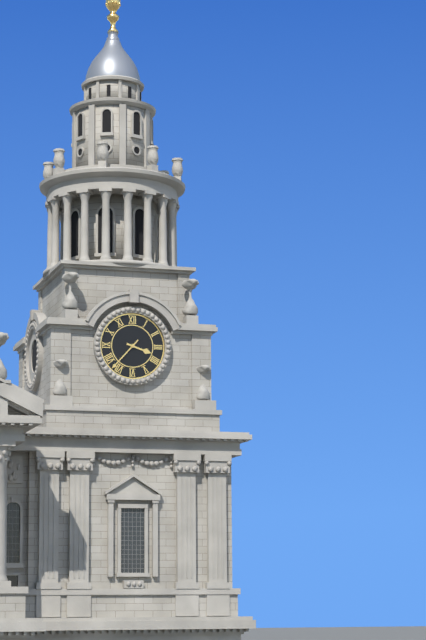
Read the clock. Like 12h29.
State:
3h37
